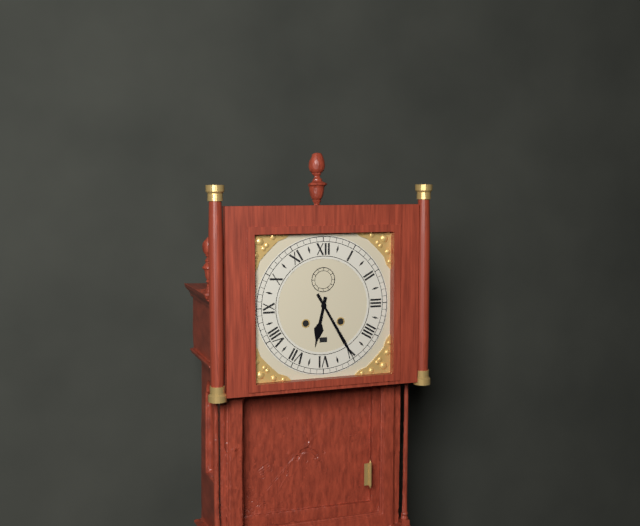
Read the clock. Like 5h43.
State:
6h25
